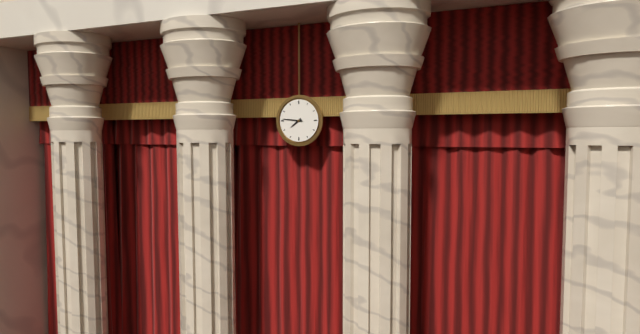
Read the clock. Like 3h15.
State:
7h46
